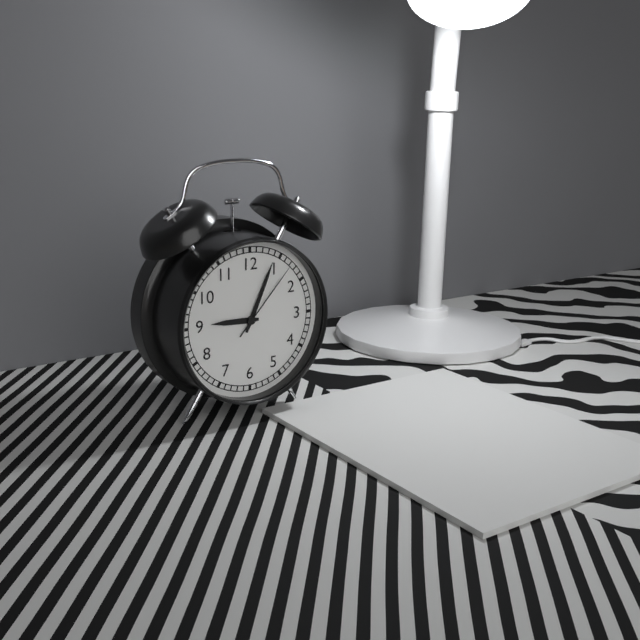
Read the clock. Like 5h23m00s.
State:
9h04m07s
